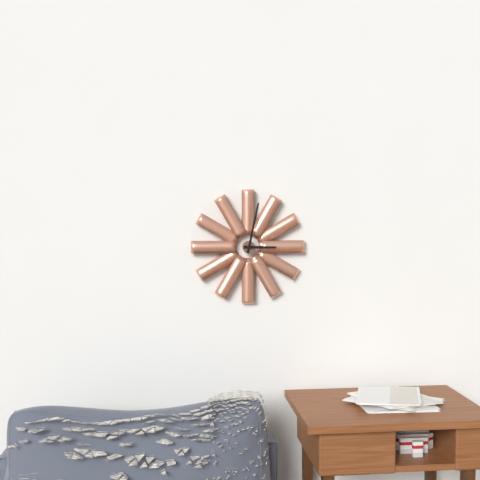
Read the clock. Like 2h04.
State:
3h02
